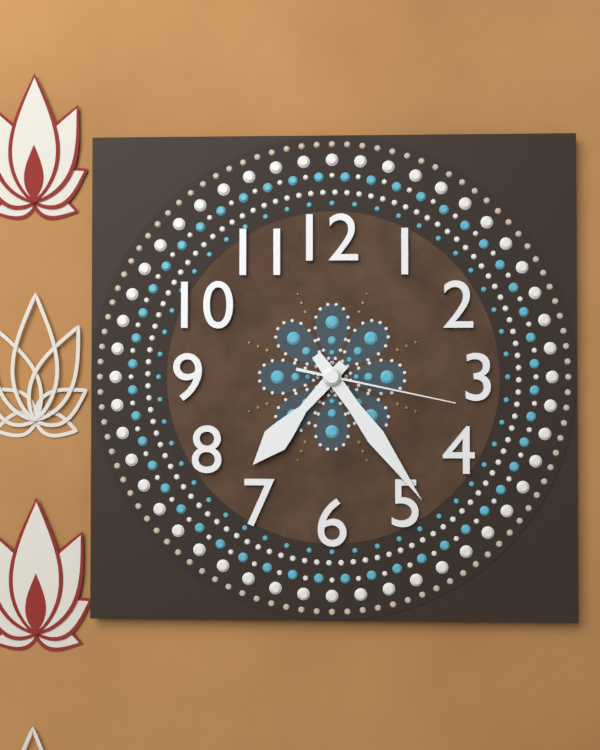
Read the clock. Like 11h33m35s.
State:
7h24m17s
